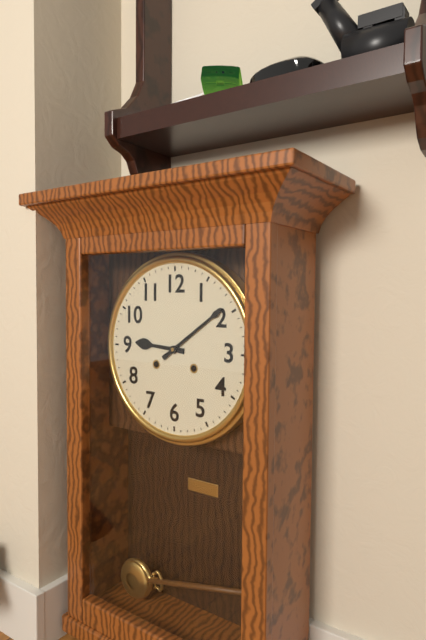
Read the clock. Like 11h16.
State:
9h09
